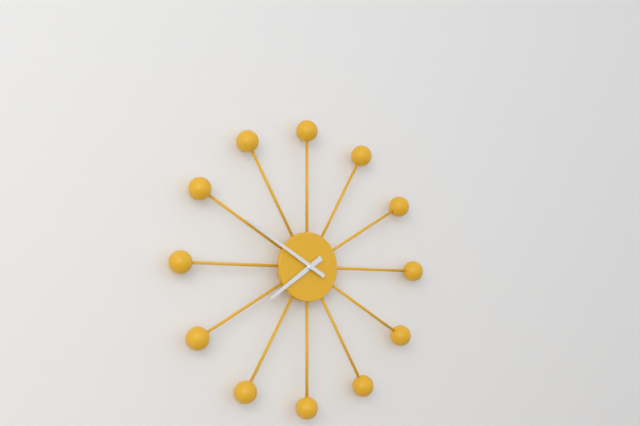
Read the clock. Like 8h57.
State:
7h50
